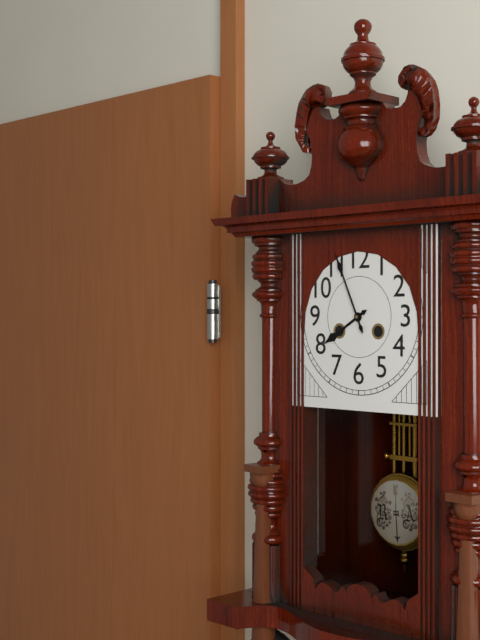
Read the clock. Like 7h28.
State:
7h56
